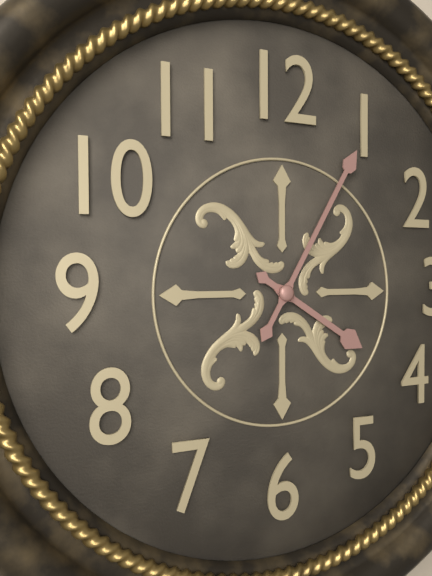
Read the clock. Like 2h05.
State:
4h05
